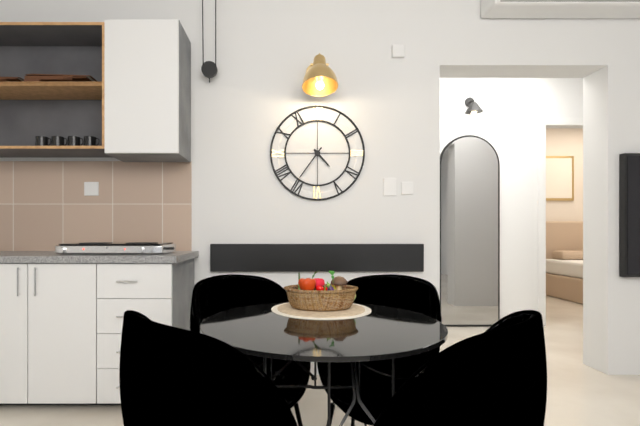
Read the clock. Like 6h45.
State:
4h36
